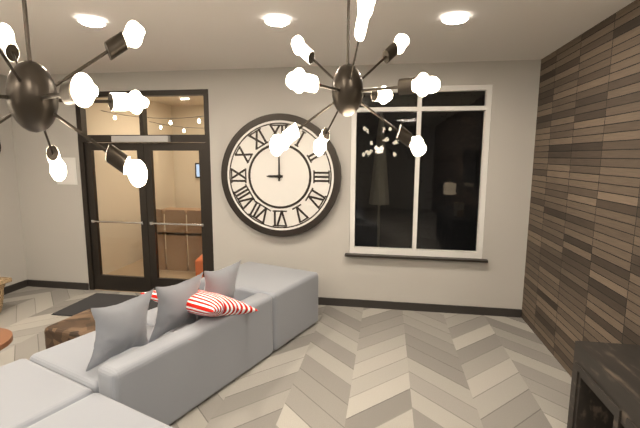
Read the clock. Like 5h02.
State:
9h00
